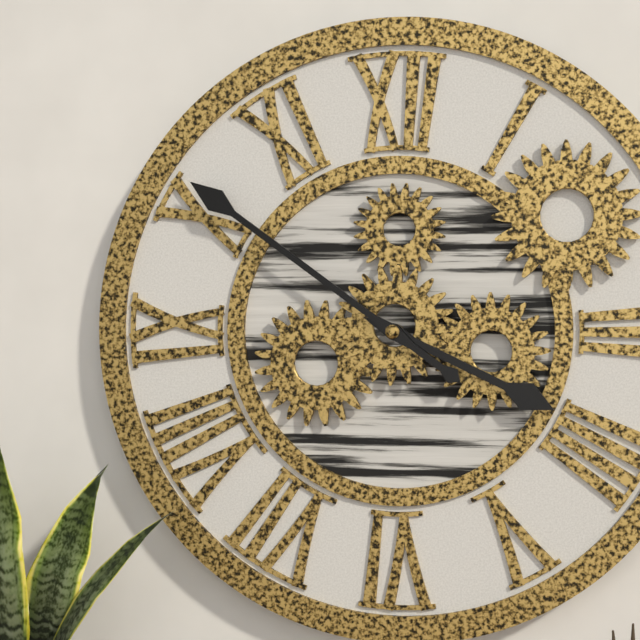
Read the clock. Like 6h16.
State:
3h51
